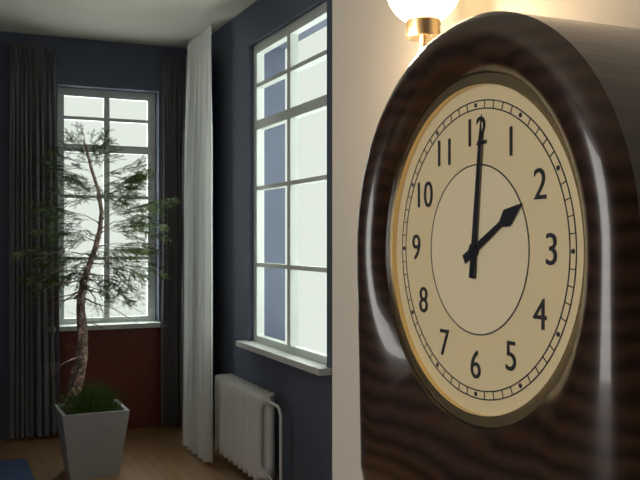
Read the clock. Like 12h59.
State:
2h01
